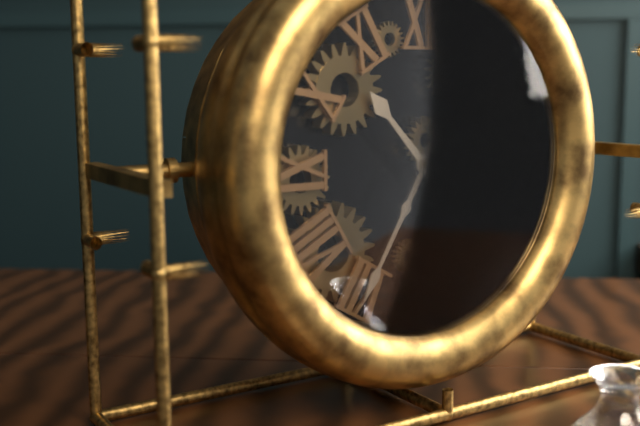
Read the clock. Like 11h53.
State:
10h35
